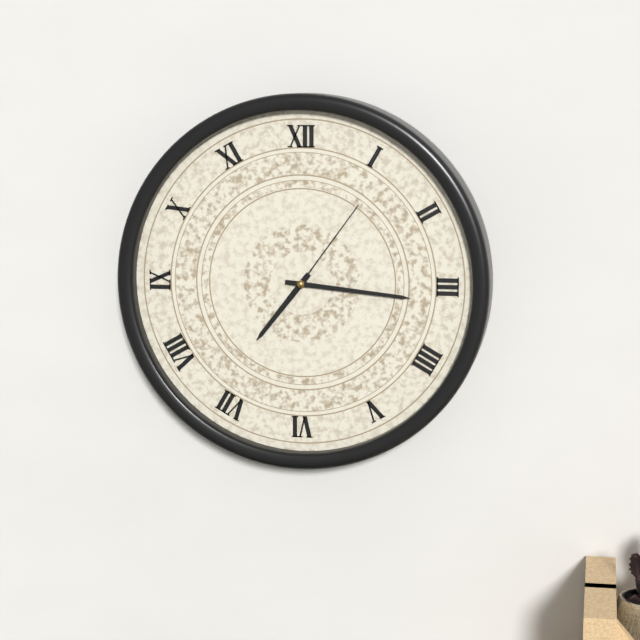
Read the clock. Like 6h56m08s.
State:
7h16m06s
